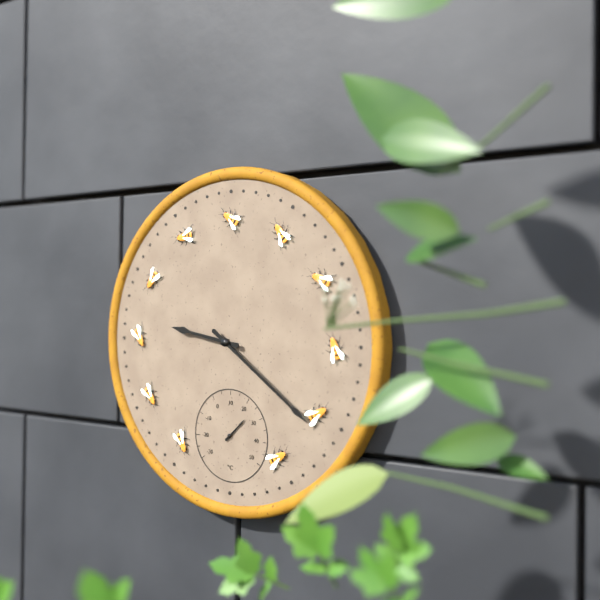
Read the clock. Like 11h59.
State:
9h21
